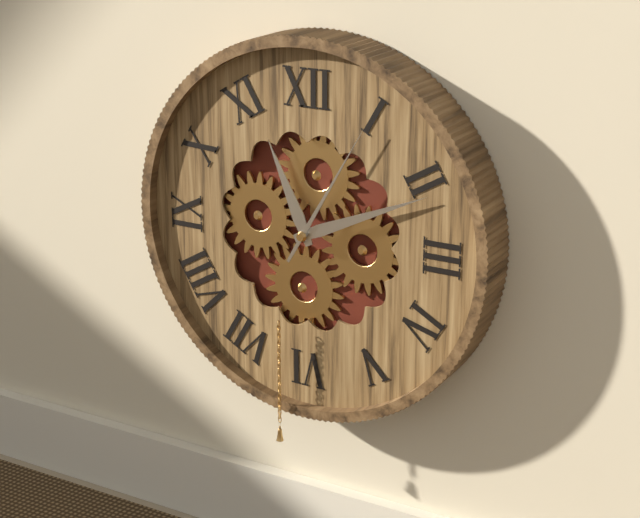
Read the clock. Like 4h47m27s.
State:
11h11m05s
